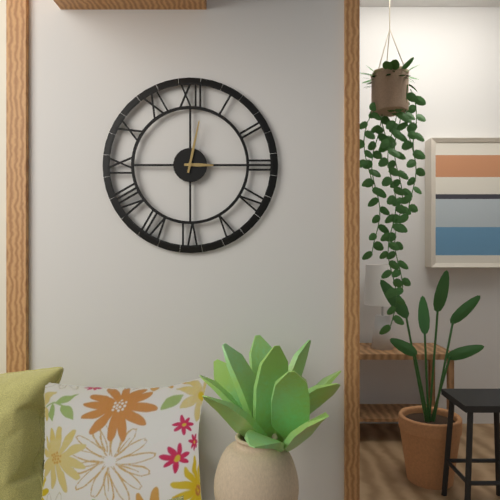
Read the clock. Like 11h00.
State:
3h02
